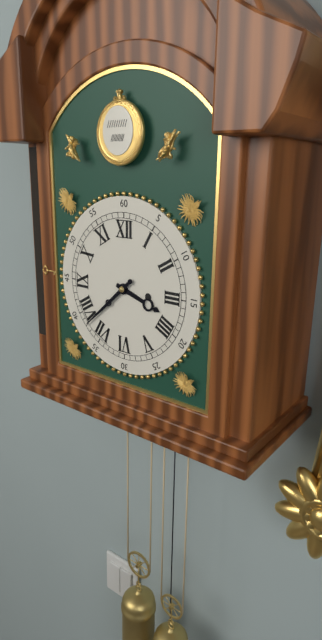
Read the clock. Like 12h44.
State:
3h38
